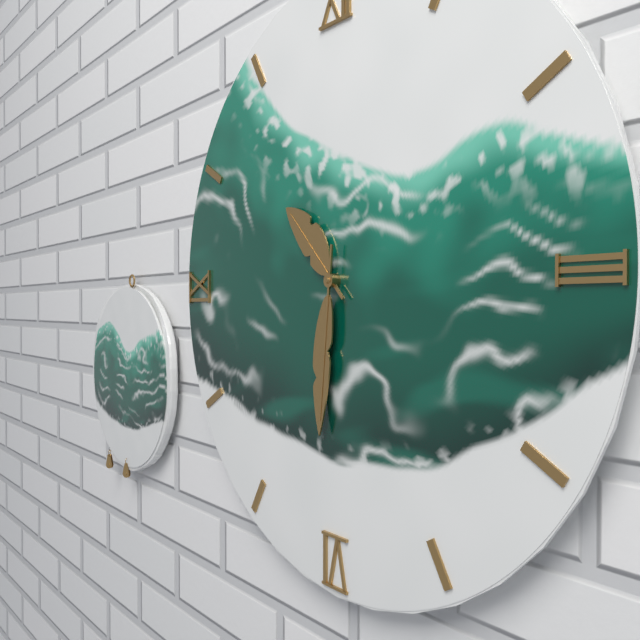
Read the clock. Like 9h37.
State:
10h31
